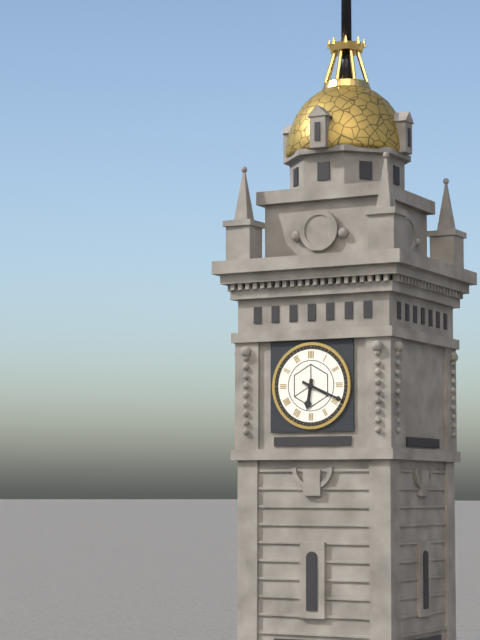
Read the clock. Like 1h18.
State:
6h19
